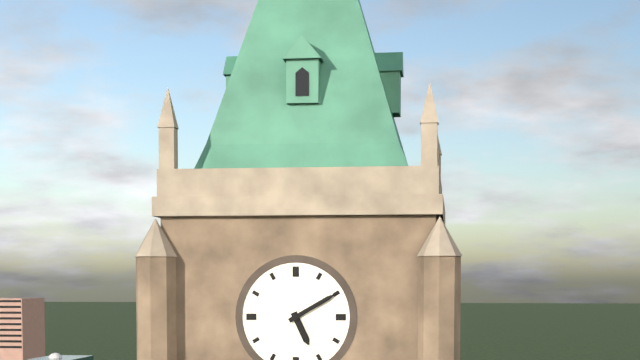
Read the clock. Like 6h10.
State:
5h10
